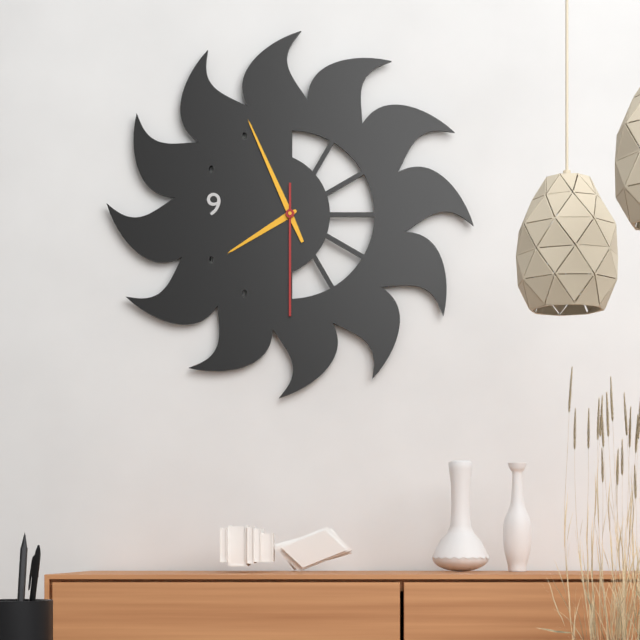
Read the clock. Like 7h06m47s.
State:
7h56m30s
